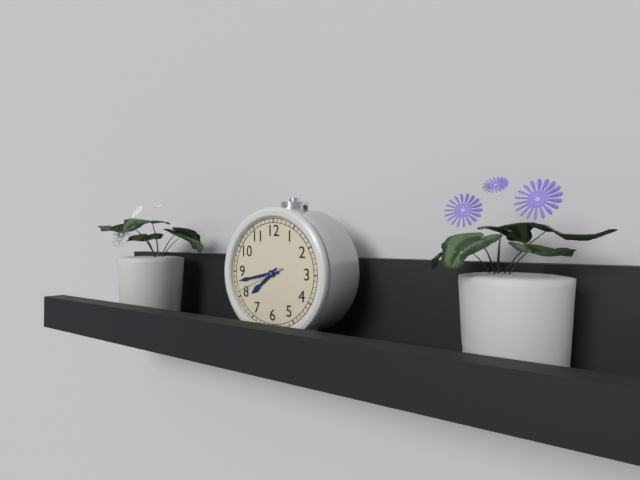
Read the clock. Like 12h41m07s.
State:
7h43m41s
